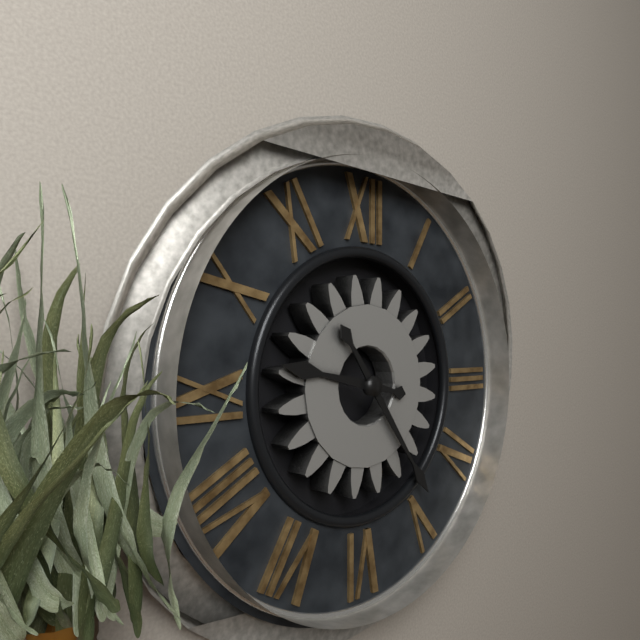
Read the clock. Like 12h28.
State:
9h24
